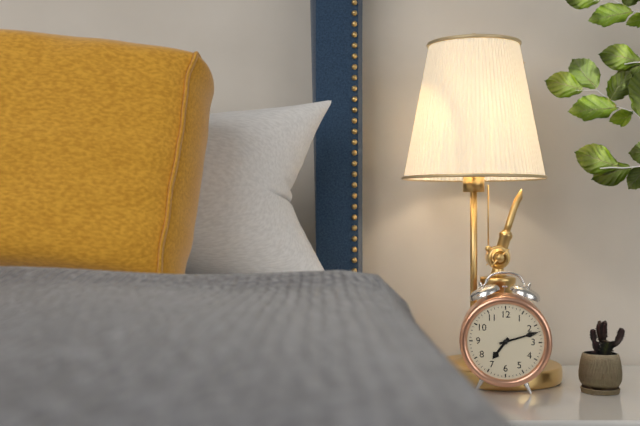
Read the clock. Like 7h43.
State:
7h12
